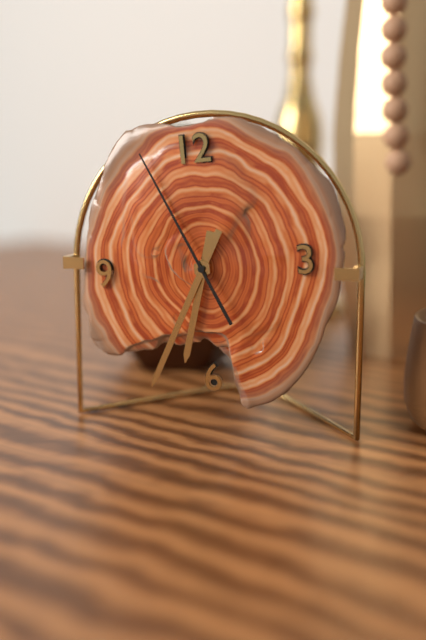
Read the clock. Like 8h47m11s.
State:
6h35m56s
